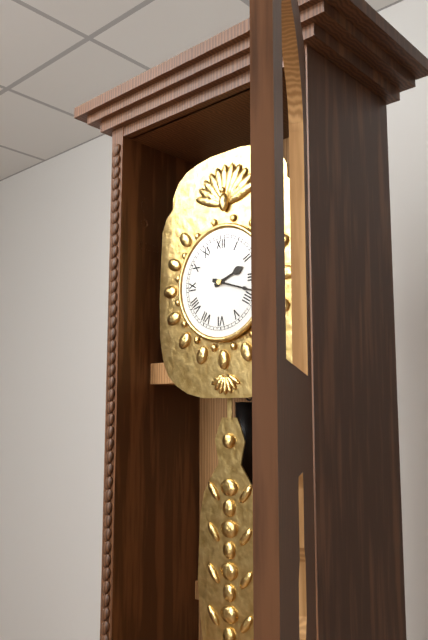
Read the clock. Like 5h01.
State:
2h18
